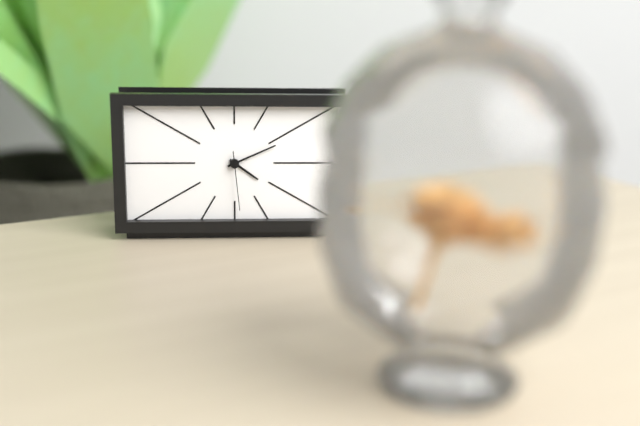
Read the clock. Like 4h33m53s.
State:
4h11m29s
